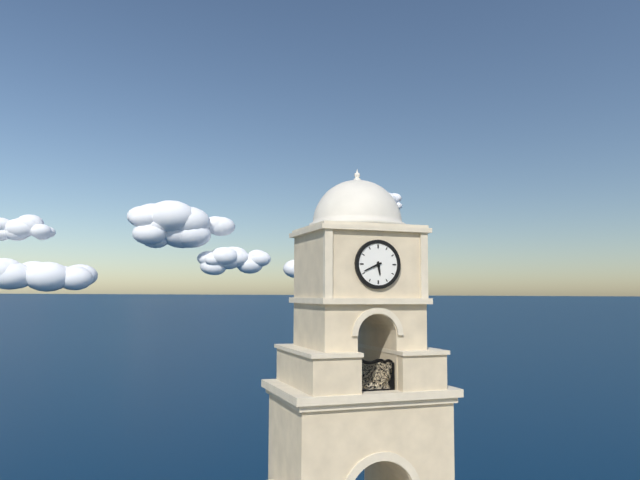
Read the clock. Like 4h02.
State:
5h41
